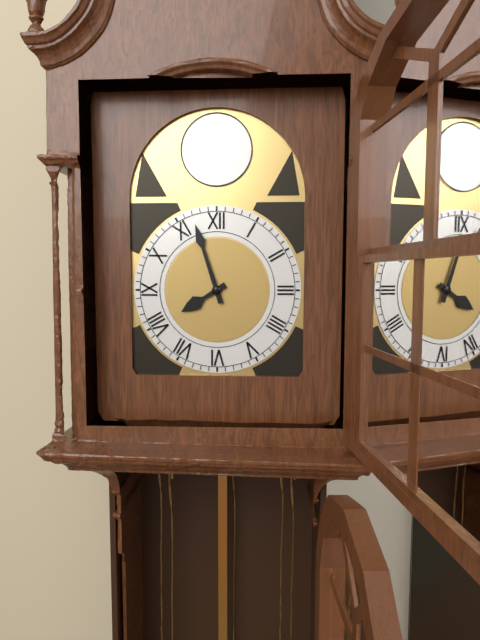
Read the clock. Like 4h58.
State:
7h57
